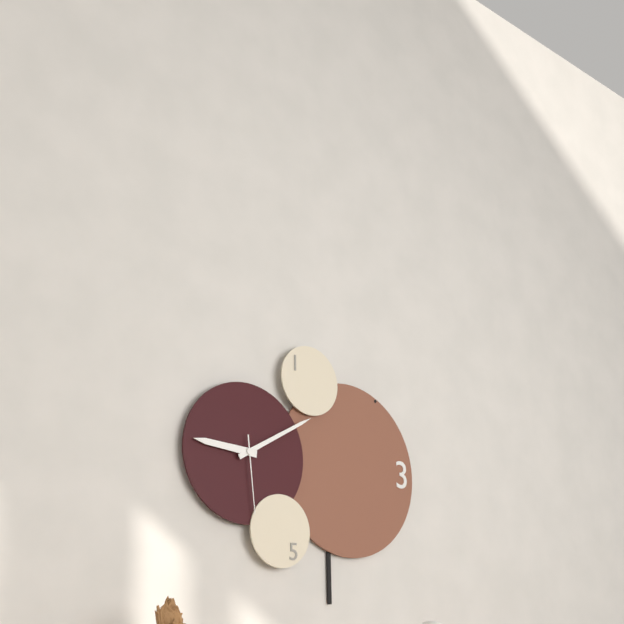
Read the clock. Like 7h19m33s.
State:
9h10m29s
